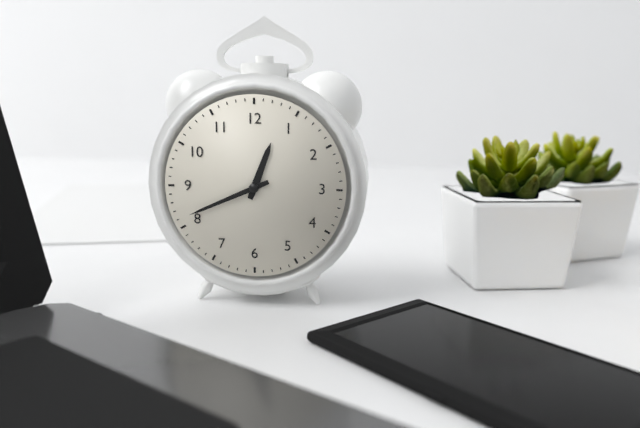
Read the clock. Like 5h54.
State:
12h41
